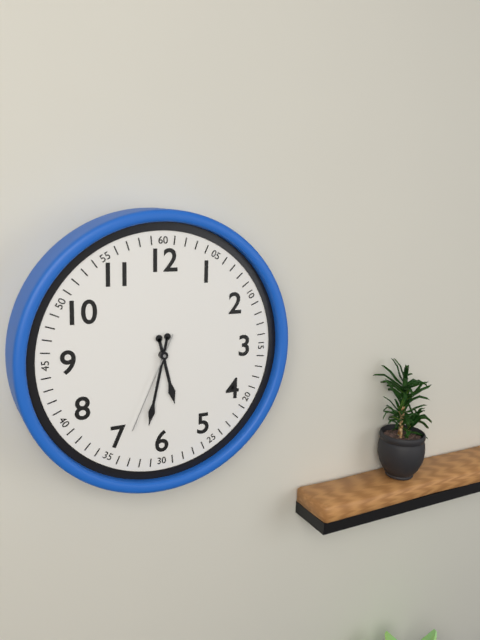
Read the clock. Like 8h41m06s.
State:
5h32m34s
